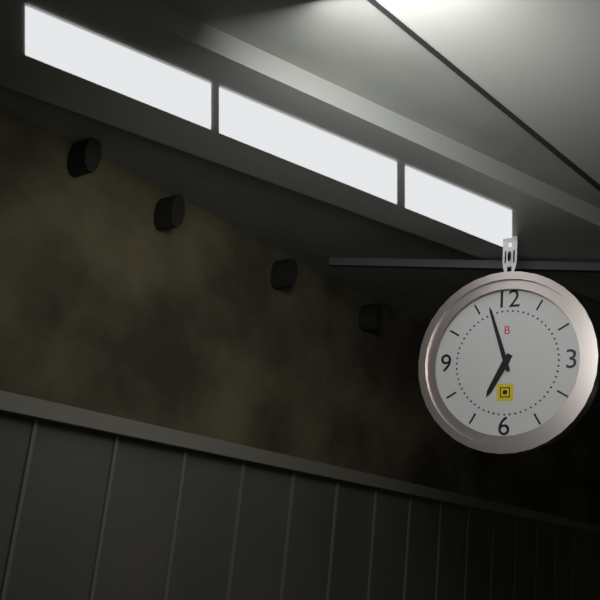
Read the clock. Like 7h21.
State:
6h57
